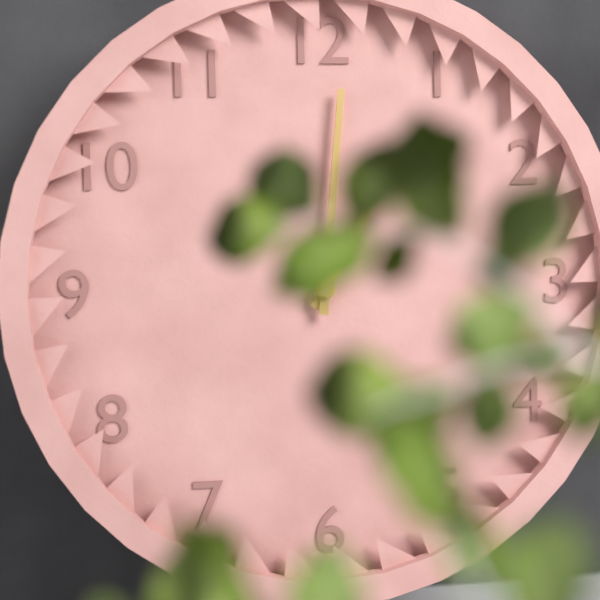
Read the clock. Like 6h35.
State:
1h01
